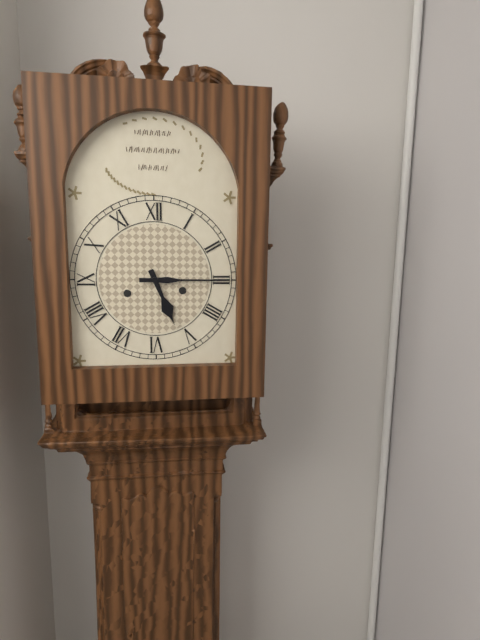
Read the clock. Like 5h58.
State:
5h15
